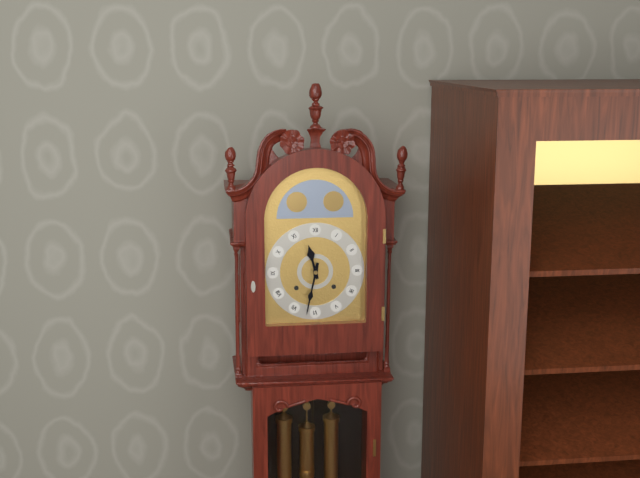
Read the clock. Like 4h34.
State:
11h32
